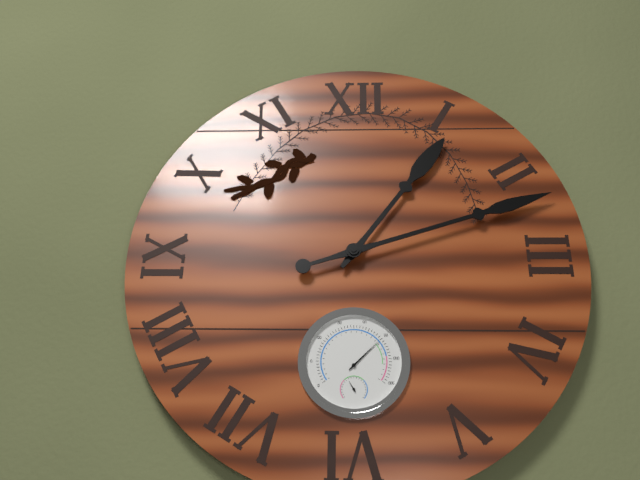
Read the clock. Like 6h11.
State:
1h12
